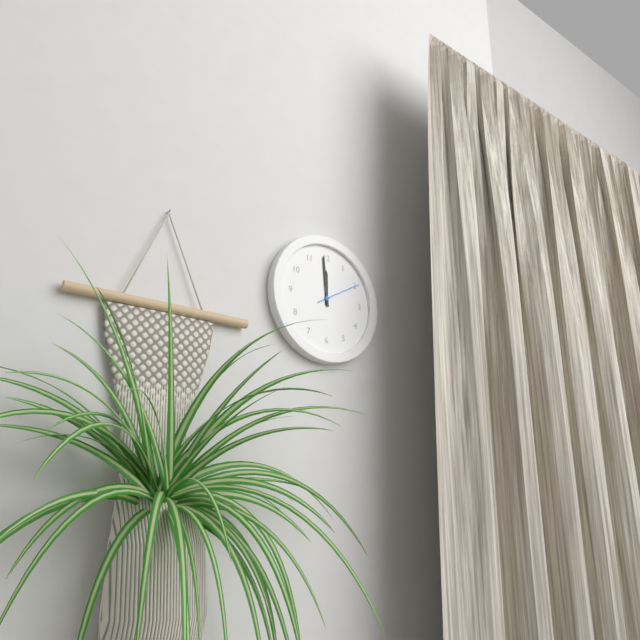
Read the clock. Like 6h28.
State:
11h59
